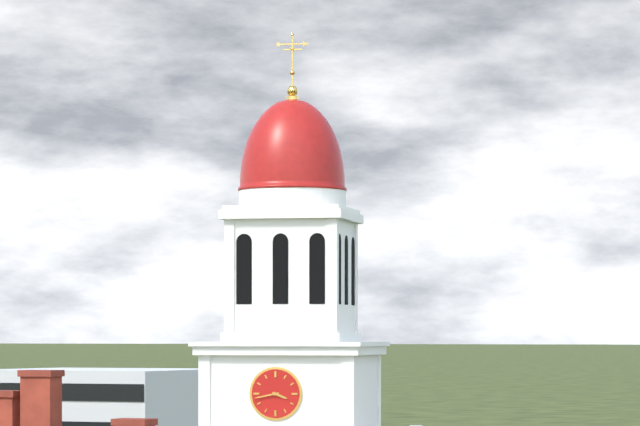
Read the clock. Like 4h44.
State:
3h43
